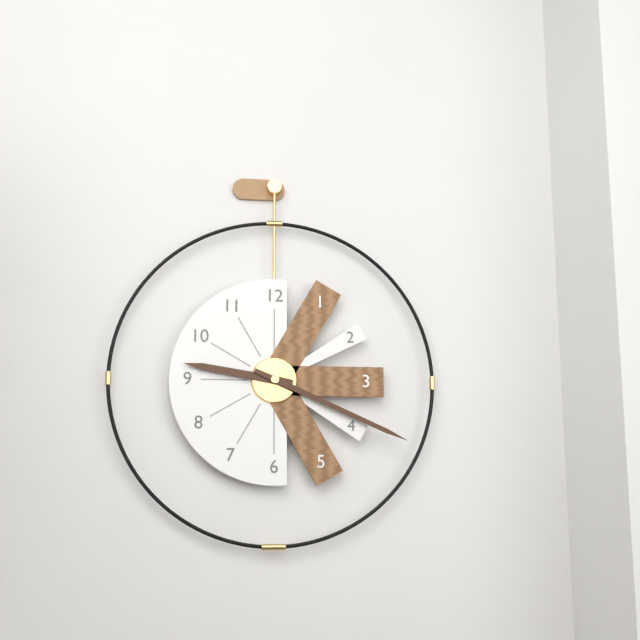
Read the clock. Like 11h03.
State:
9h19
